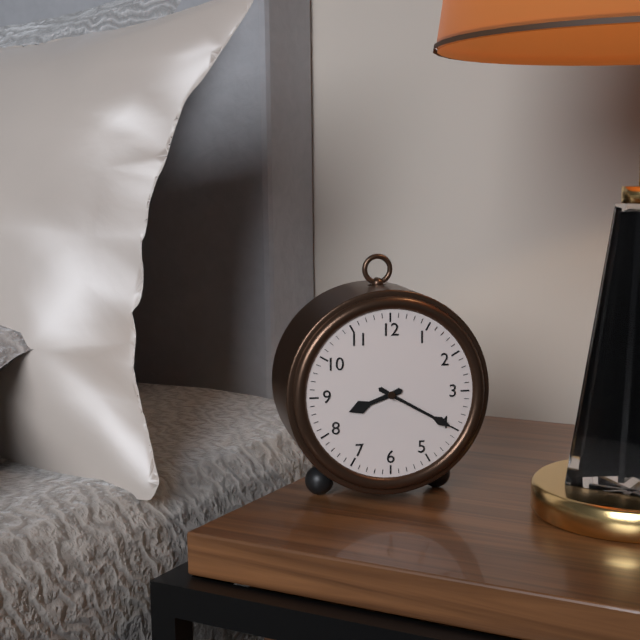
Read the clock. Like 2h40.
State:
8h20
